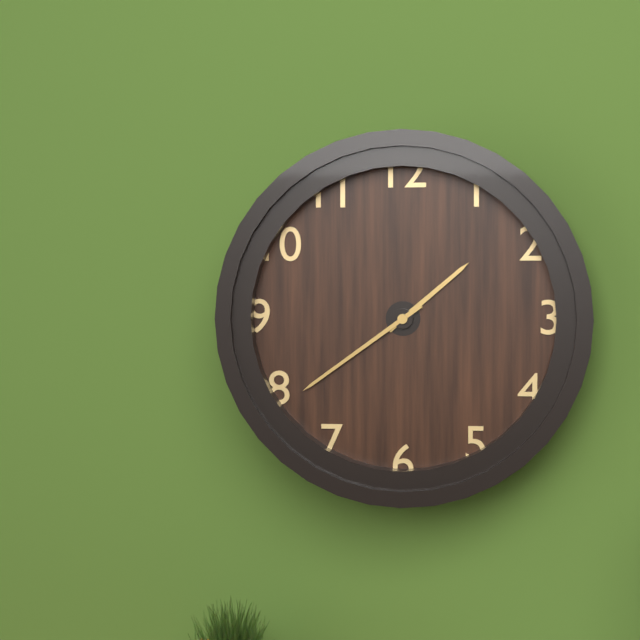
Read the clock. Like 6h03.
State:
1h39
